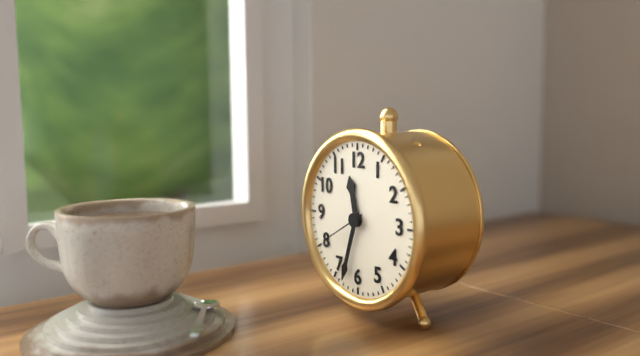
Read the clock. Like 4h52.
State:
11h33
